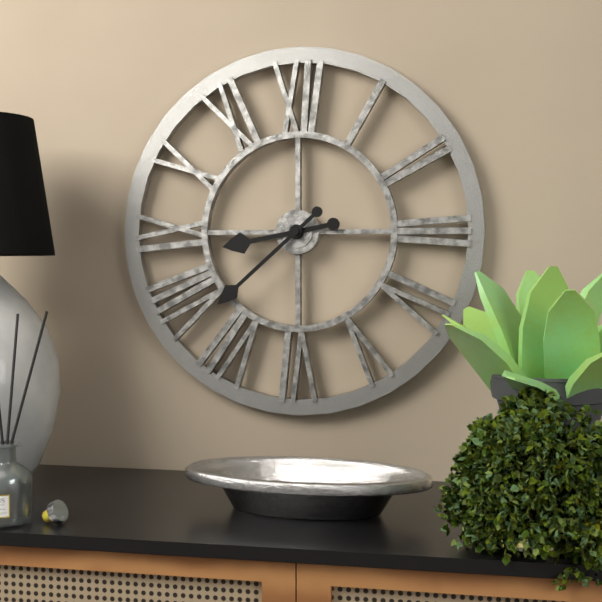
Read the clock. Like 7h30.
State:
8h38
